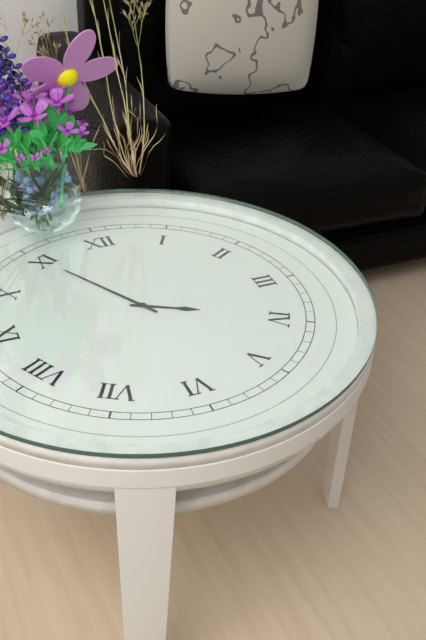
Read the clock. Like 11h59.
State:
3h55
